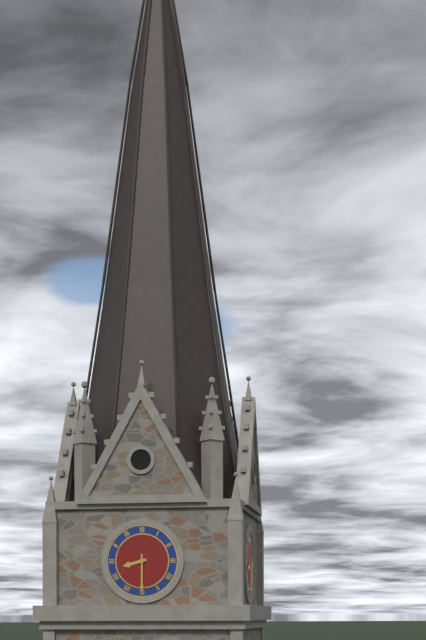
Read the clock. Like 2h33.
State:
8h30
